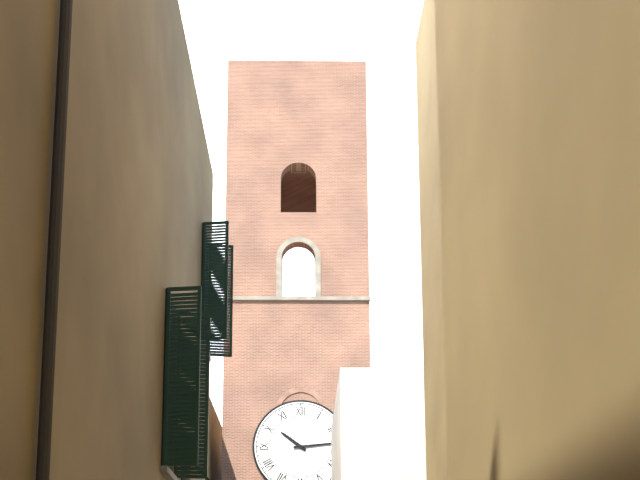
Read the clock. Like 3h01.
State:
10h14
